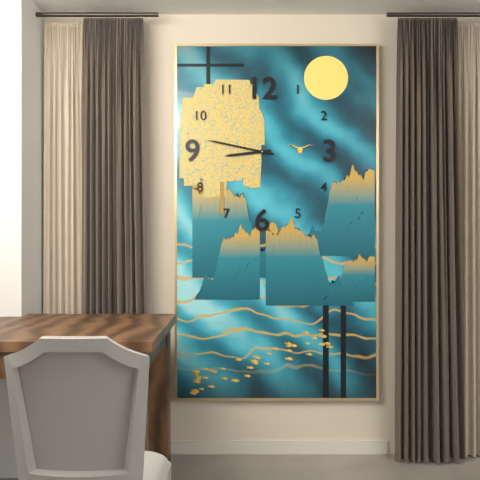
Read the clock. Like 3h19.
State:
8h47
